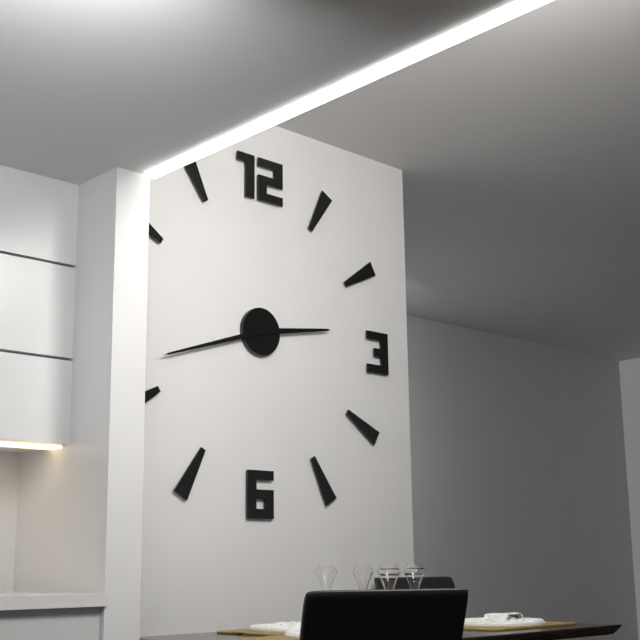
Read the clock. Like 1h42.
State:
2h42
